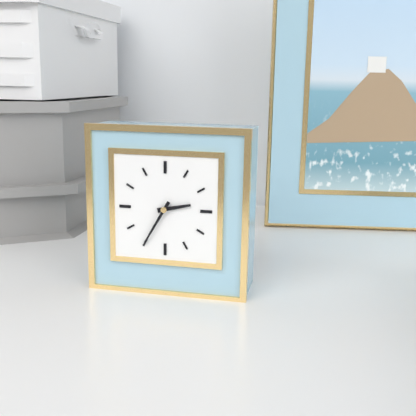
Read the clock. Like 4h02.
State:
2h35
